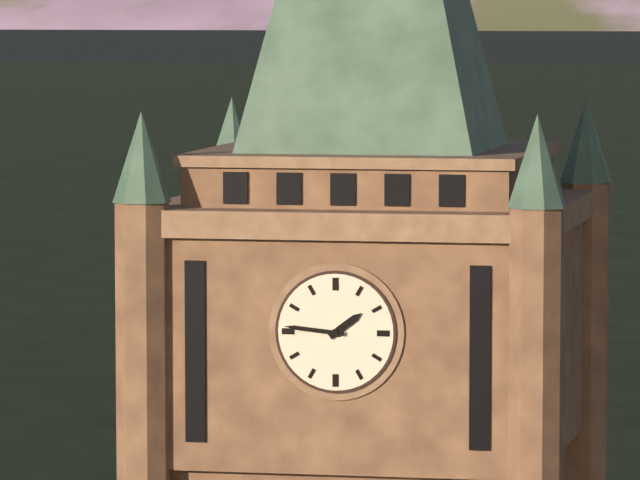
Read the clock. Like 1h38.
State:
1h46
